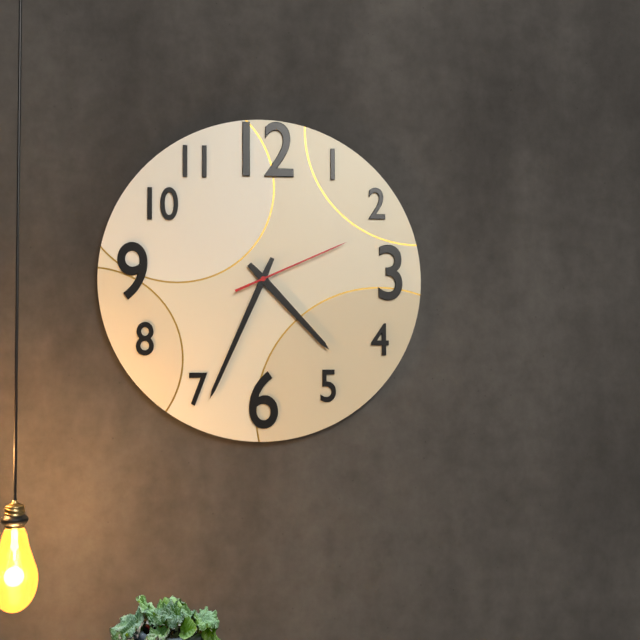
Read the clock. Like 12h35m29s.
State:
4h34m11s
